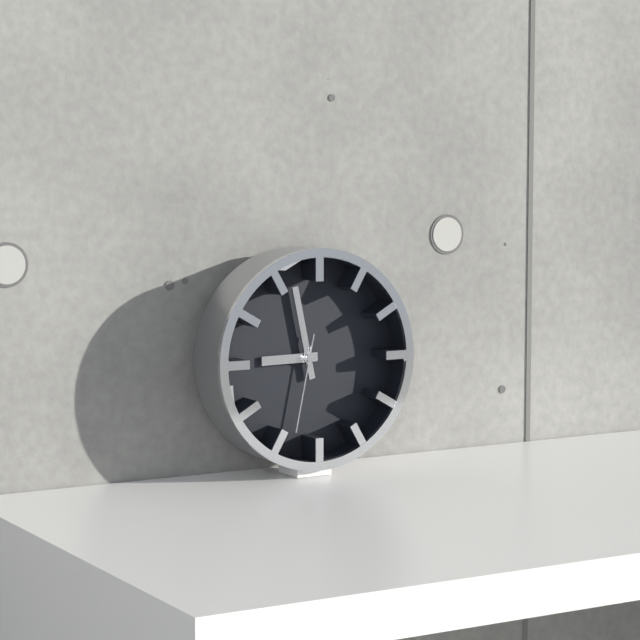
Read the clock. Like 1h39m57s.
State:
8h58m32s
